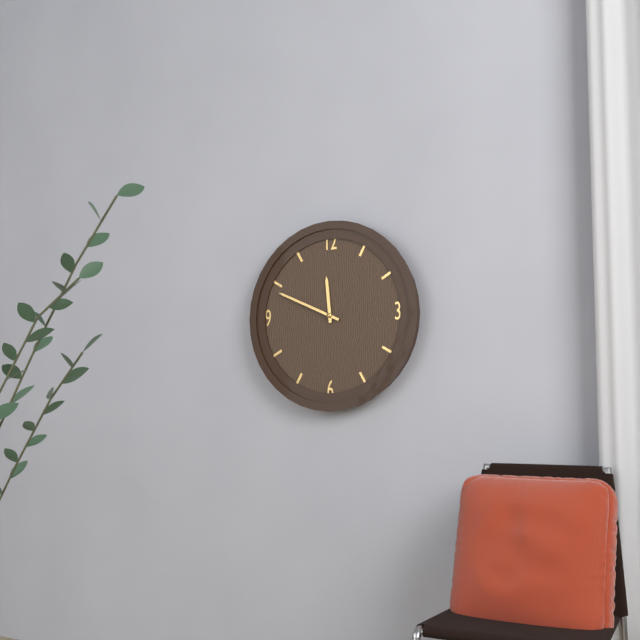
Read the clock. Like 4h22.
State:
11h49
